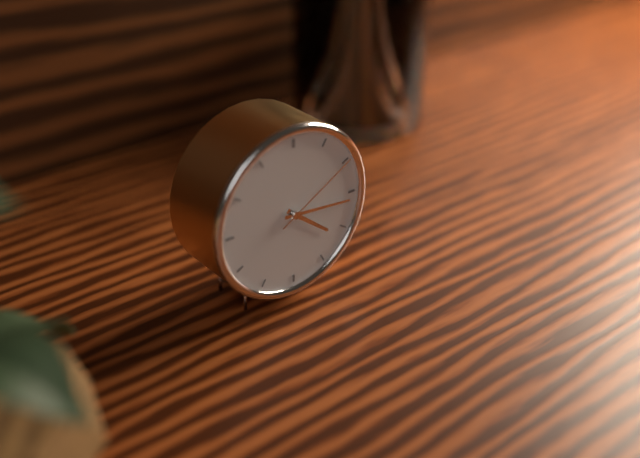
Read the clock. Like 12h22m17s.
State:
4h16m10s
